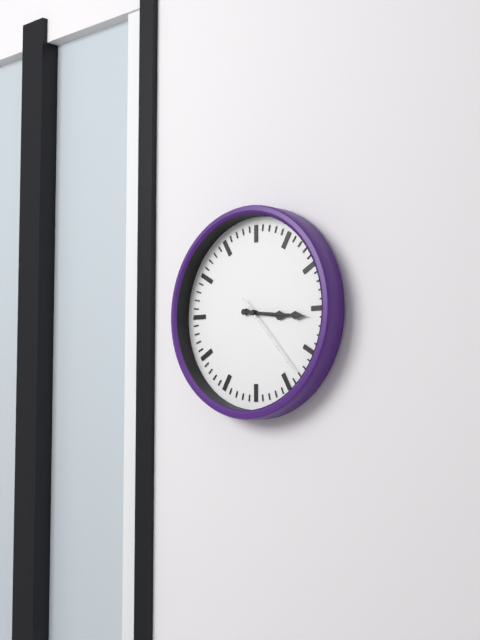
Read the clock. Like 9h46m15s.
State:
3h16m23s
